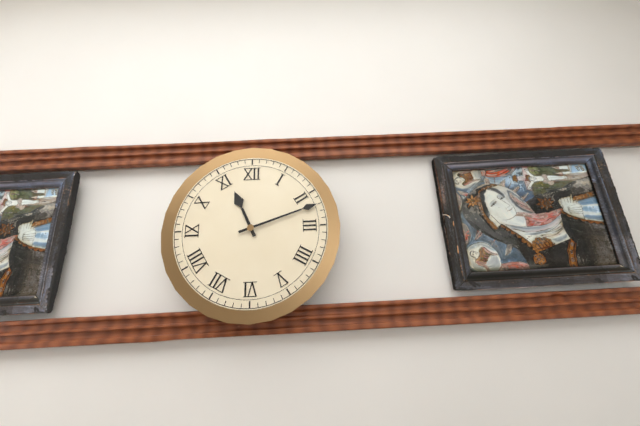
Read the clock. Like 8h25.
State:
11h12
